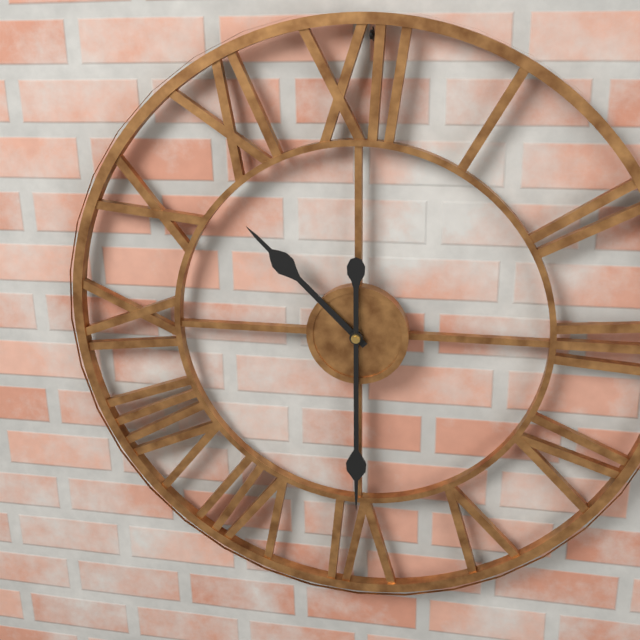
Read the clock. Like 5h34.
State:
10h30
